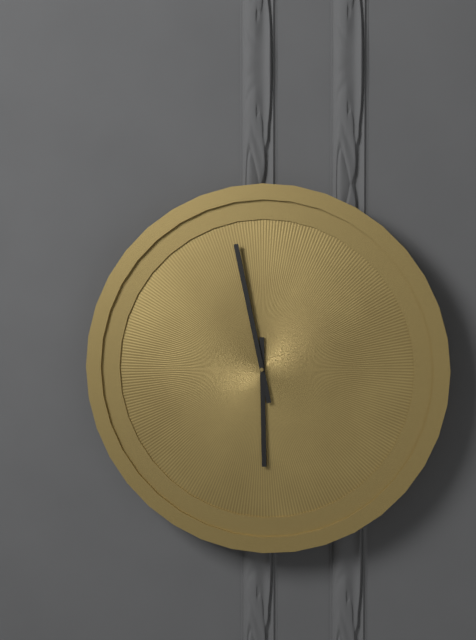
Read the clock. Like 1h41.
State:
5h58
